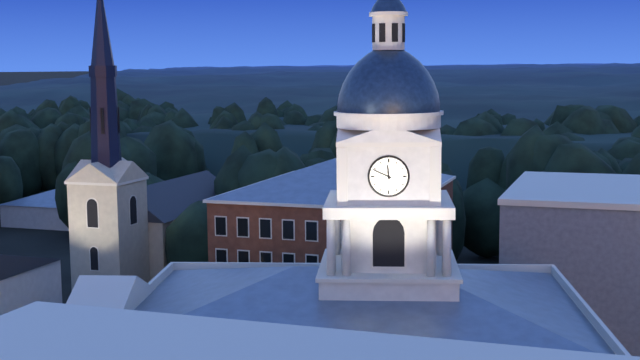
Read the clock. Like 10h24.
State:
11h49
